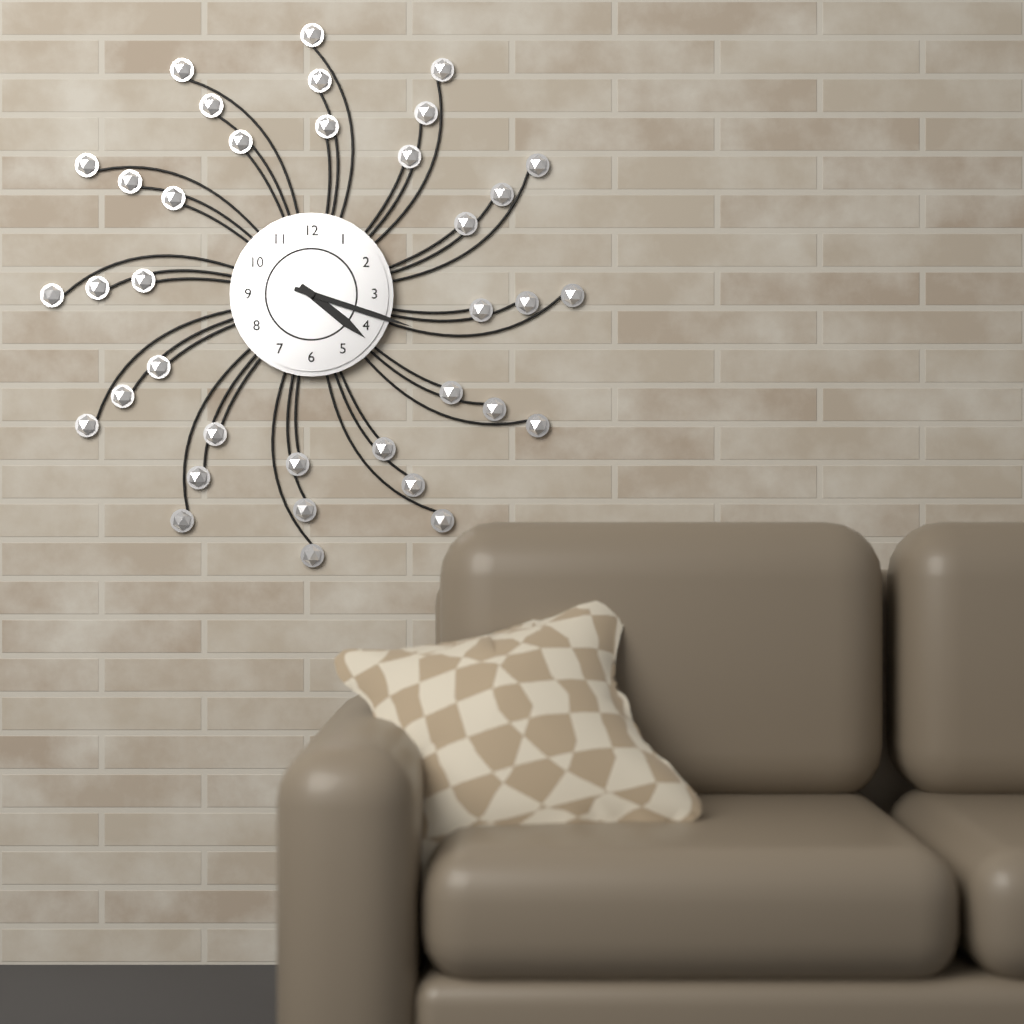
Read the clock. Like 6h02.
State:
4h18
